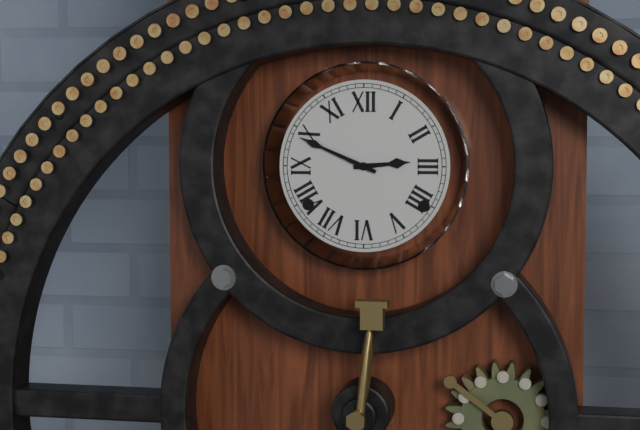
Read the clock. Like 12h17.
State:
2h49
